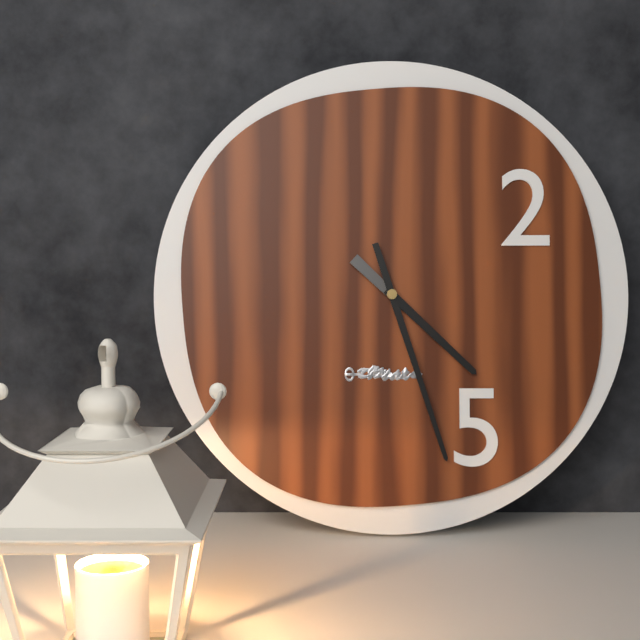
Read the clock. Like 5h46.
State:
4h27
